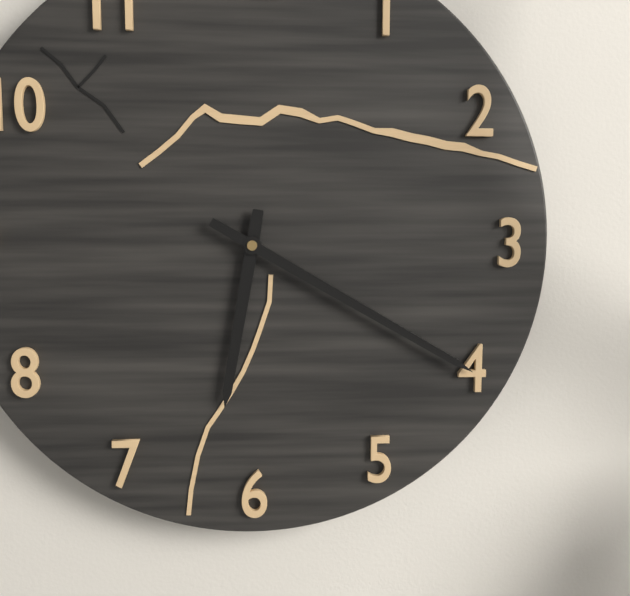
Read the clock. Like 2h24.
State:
6h20
